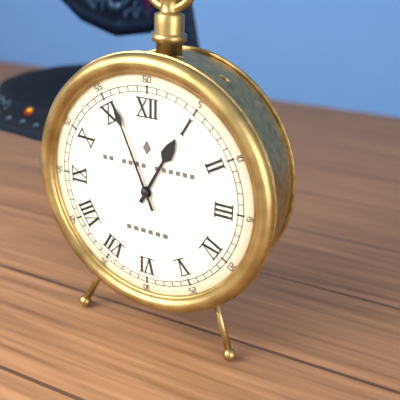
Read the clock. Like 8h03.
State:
12h56
